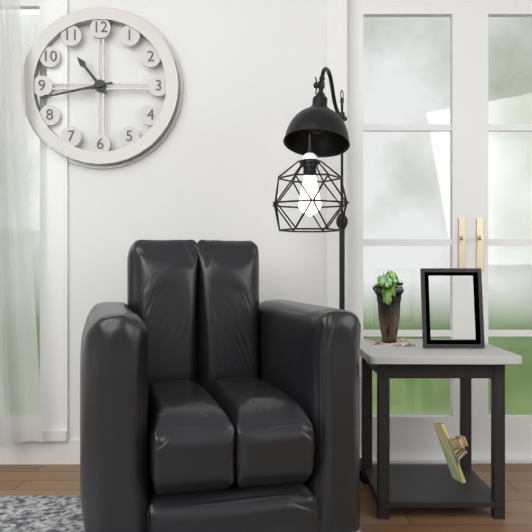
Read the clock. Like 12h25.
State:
10h43
